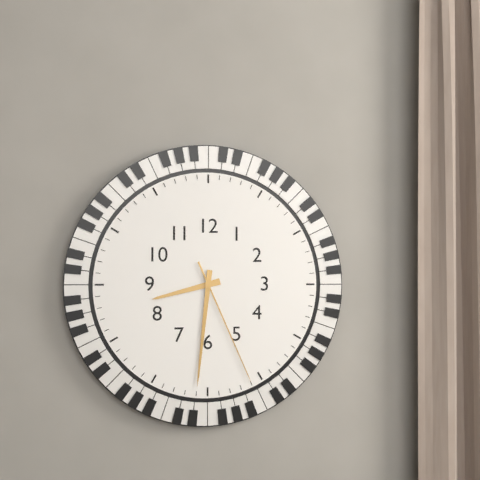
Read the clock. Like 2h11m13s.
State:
8h31m26s
